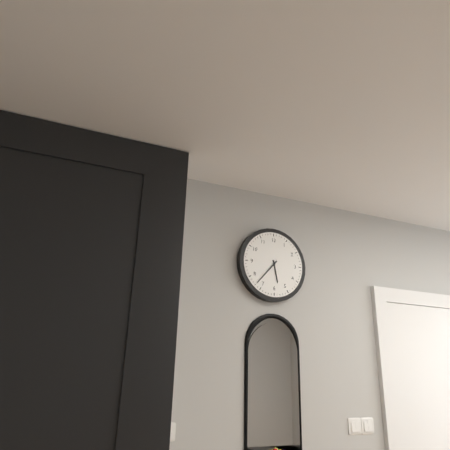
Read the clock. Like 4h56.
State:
5h37
